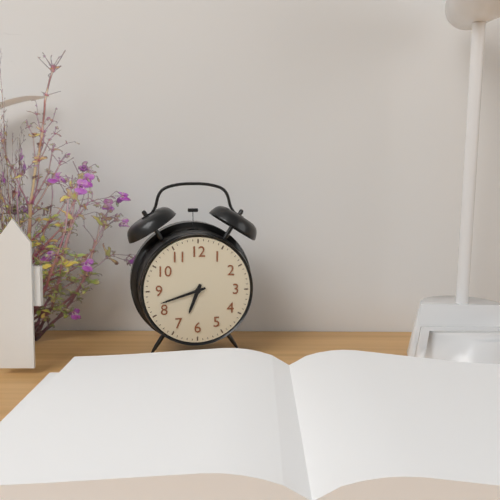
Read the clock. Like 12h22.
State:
6h42
